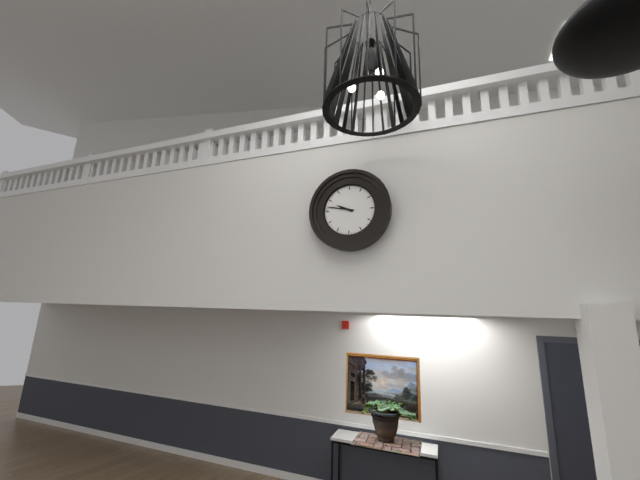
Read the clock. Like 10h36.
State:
9h47
